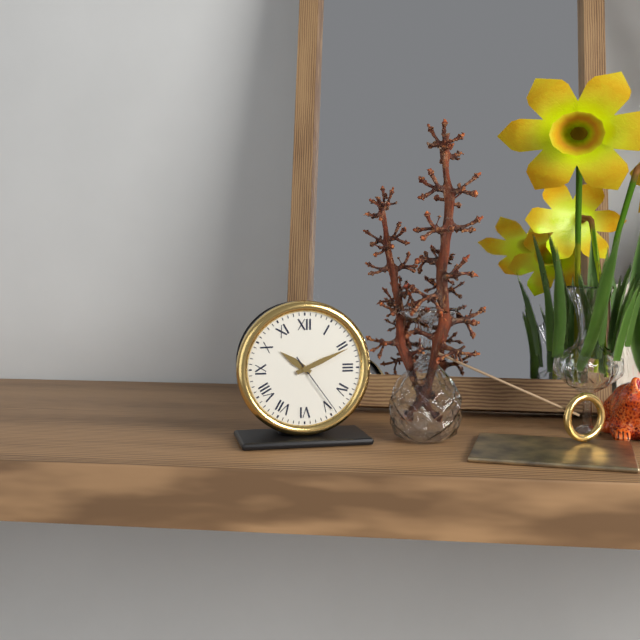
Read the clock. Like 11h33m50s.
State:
10h11m24s
